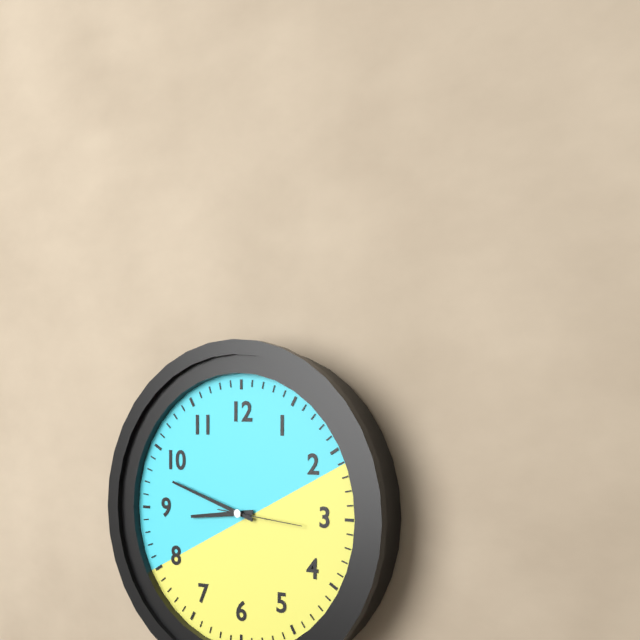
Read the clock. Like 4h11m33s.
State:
8h48m16s
